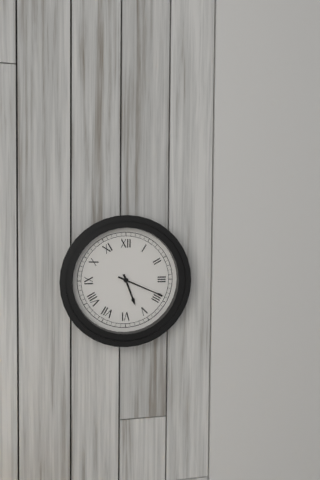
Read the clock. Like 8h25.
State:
5h19
